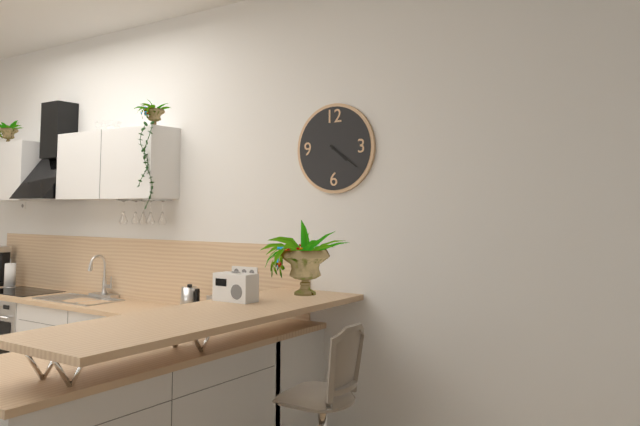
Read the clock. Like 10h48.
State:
4h21
